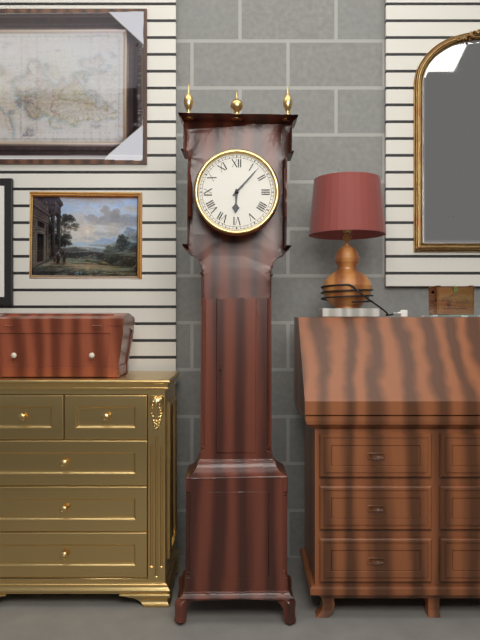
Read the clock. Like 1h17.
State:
6h07
